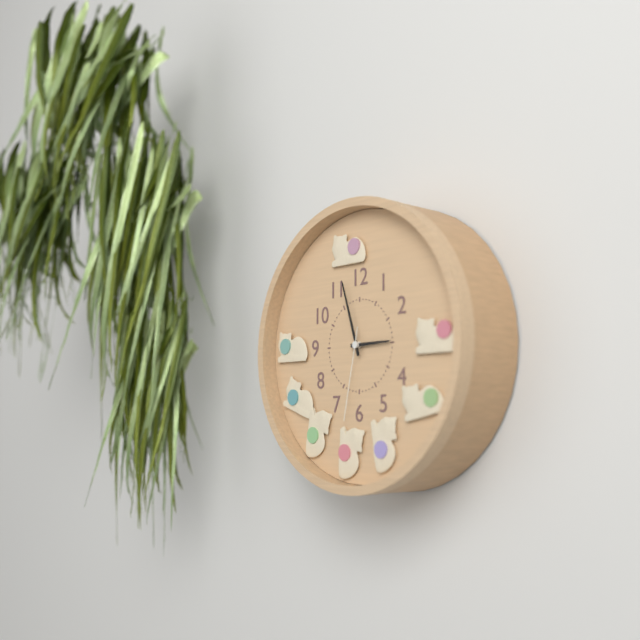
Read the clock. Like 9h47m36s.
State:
2h57m32s
